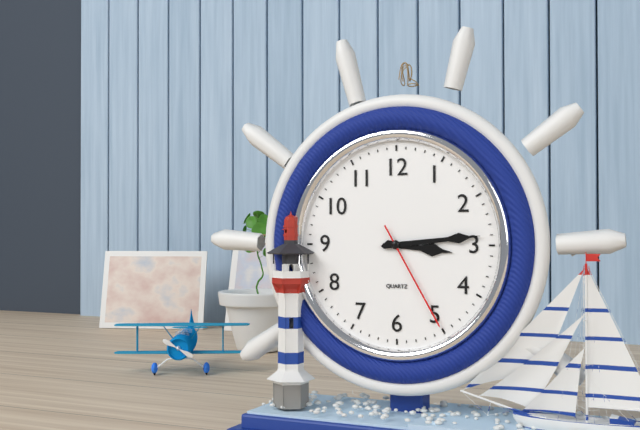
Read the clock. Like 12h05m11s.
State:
3h14m25s
